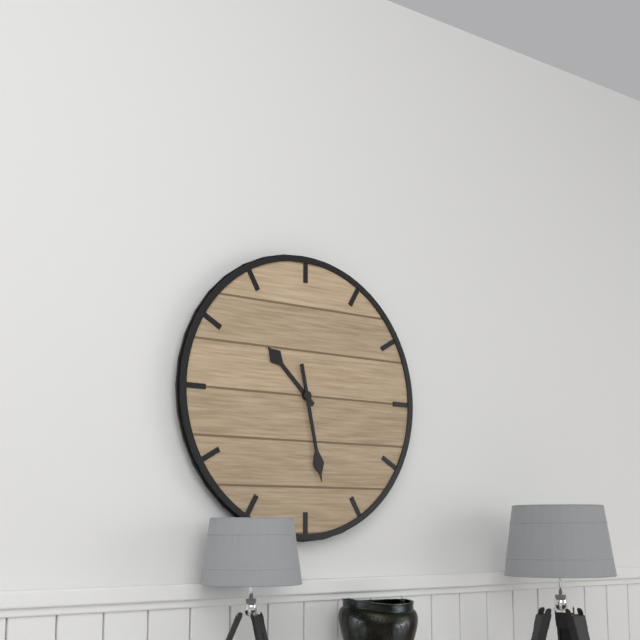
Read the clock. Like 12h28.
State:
10h28
